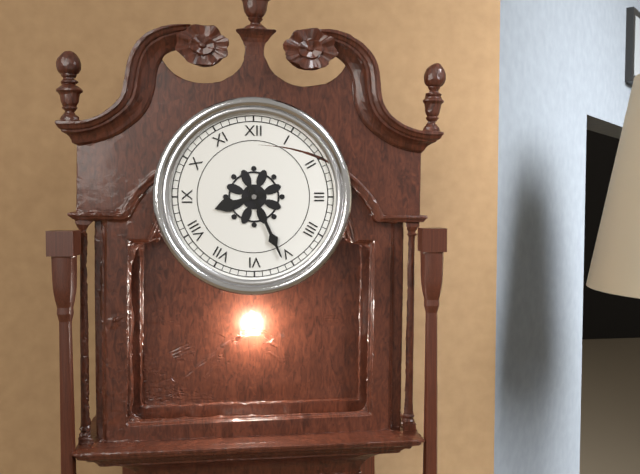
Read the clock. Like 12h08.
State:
8h26
